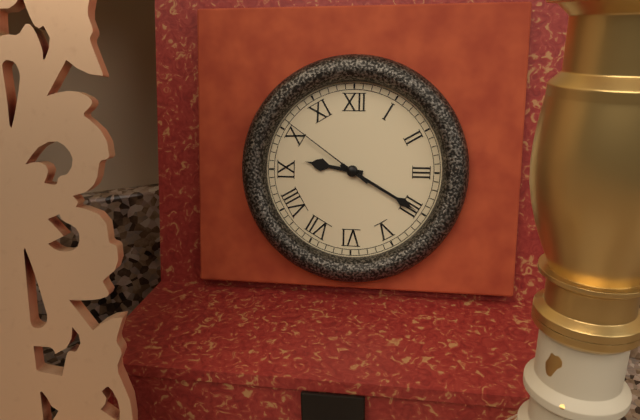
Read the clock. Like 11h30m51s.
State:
9h20m51s
